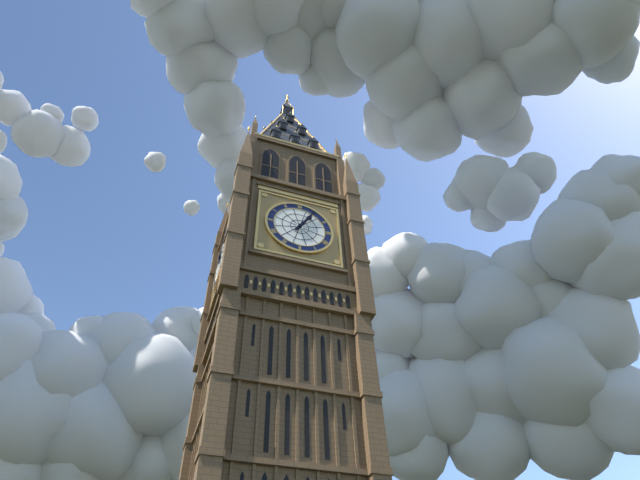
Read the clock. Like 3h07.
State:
1h05
